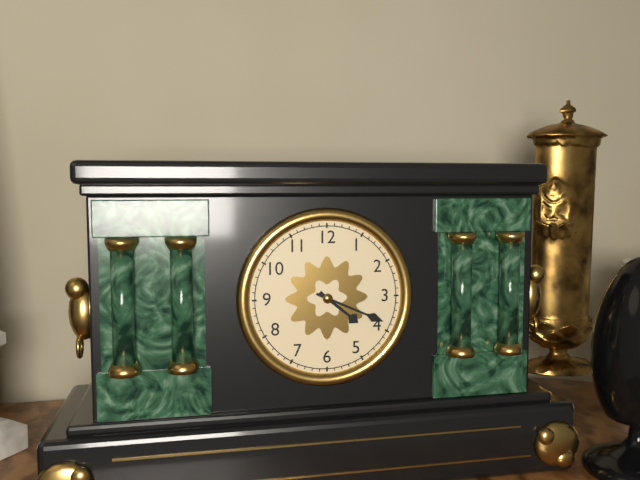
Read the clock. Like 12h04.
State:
4h19
